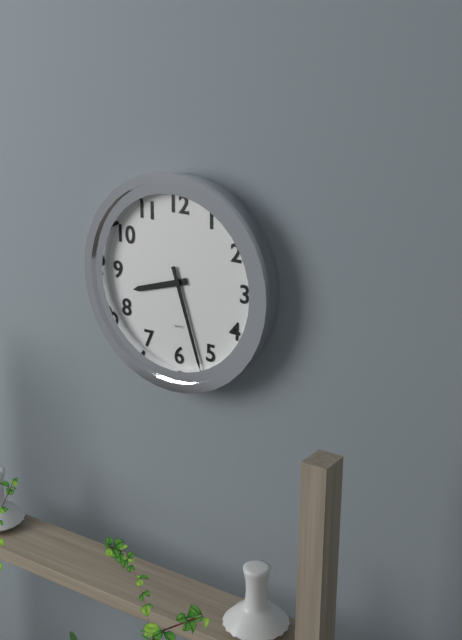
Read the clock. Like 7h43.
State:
8h27
